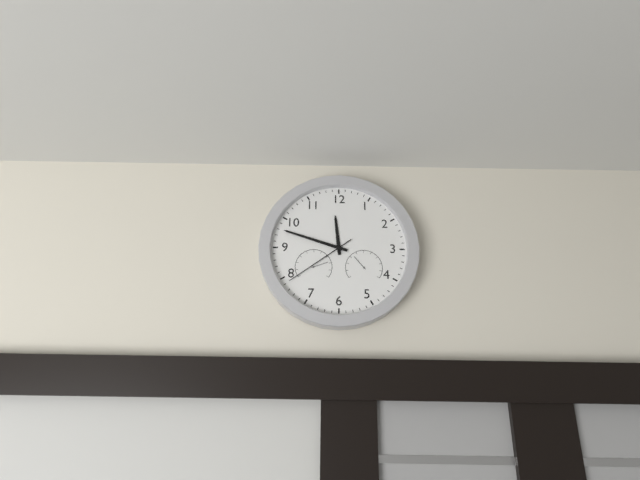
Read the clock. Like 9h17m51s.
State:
11h48m39s
